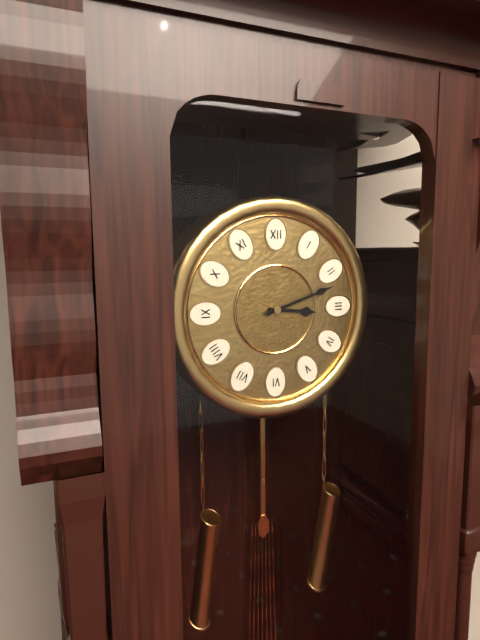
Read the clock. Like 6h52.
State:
3h12
